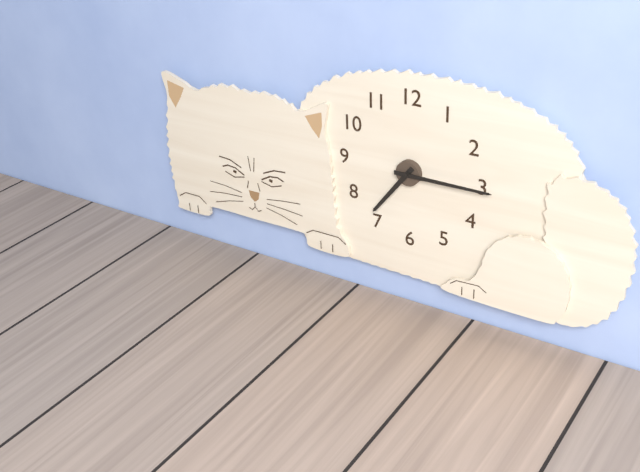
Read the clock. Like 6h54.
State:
7h15
